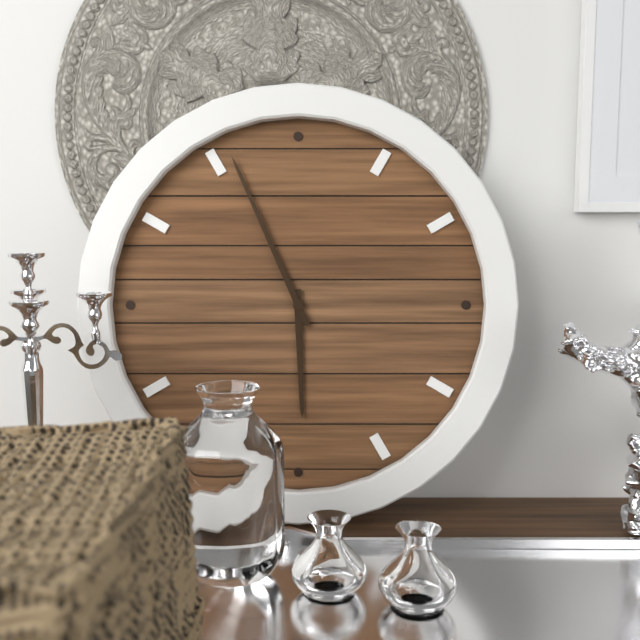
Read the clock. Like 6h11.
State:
5h56
